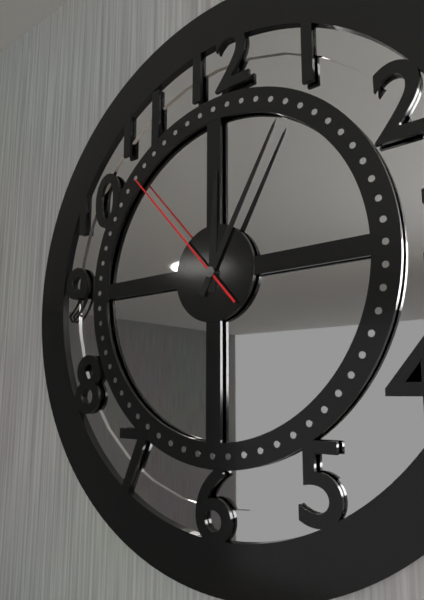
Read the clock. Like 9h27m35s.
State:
12h05m53s
